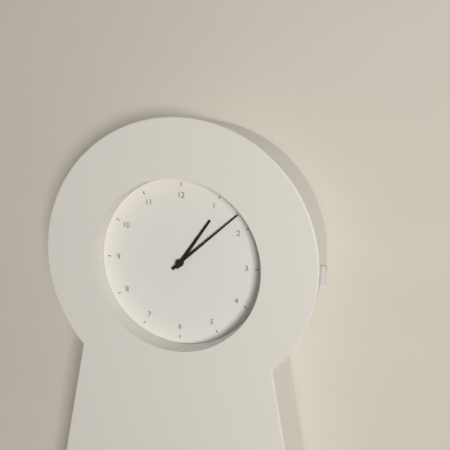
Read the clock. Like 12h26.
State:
1h08
